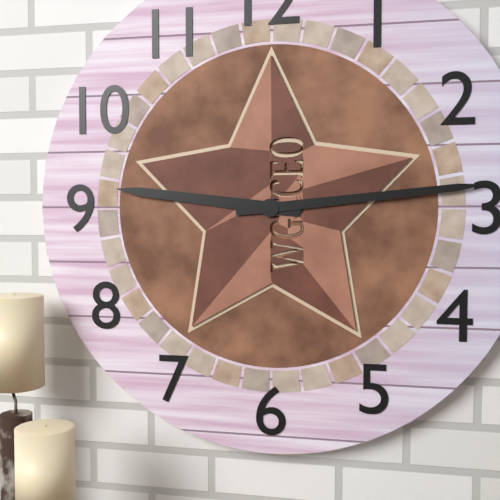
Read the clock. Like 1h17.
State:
9h14
